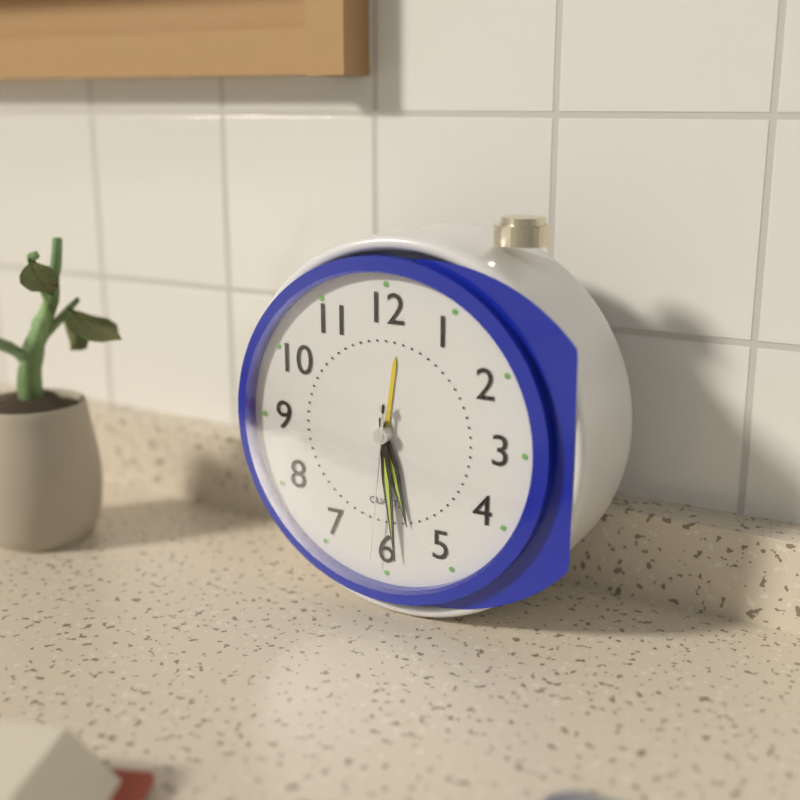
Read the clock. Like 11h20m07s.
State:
5h29m31s
